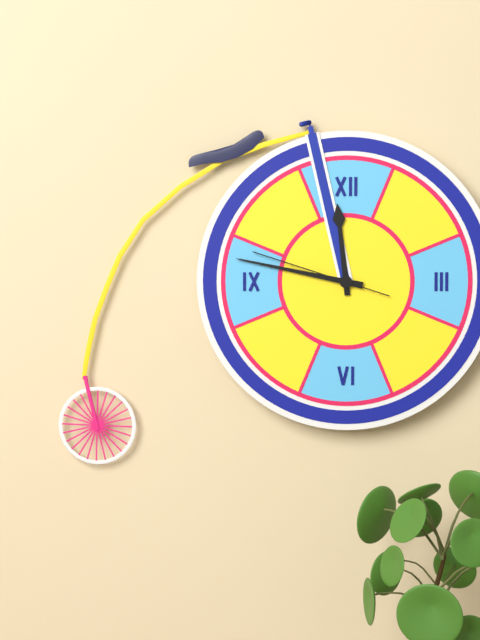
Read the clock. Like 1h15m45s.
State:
11h47m48s
